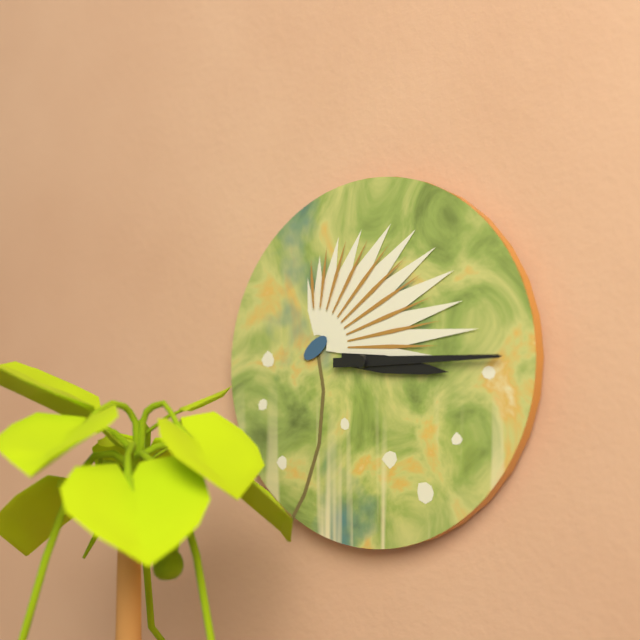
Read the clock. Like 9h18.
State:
3h15
